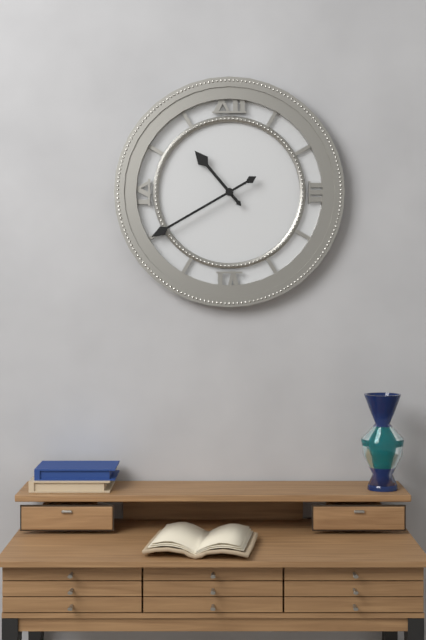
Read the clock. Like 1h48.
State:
10h40
